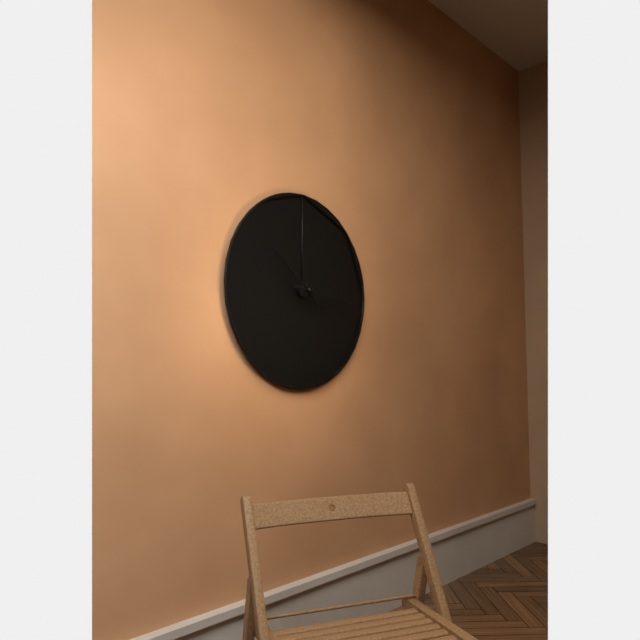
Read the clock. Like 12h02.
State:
10h16
